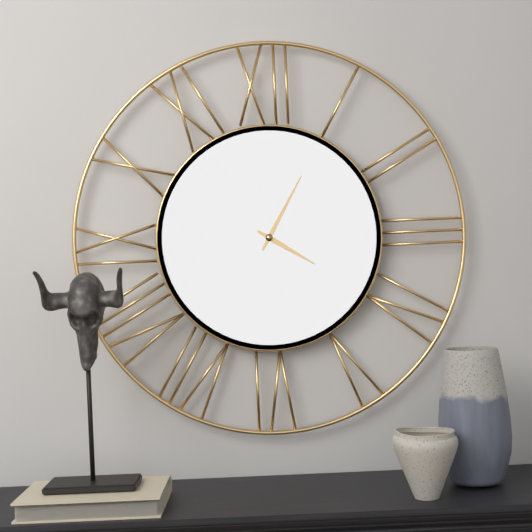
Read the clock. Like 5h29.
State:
4h05
